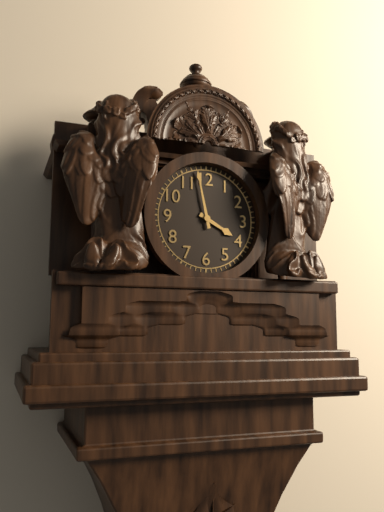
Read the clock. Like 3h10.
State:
3h58
